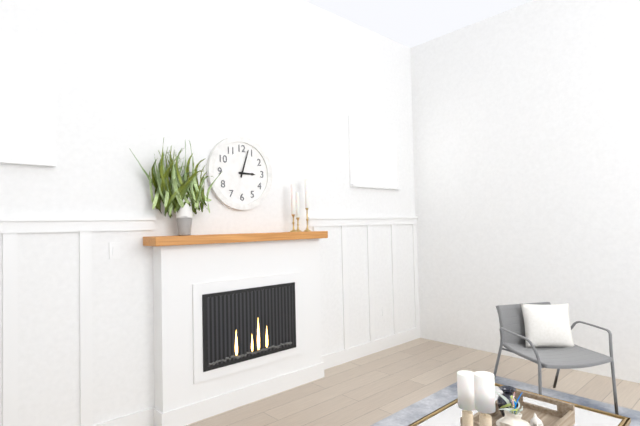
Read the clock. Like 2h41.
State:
3h03
